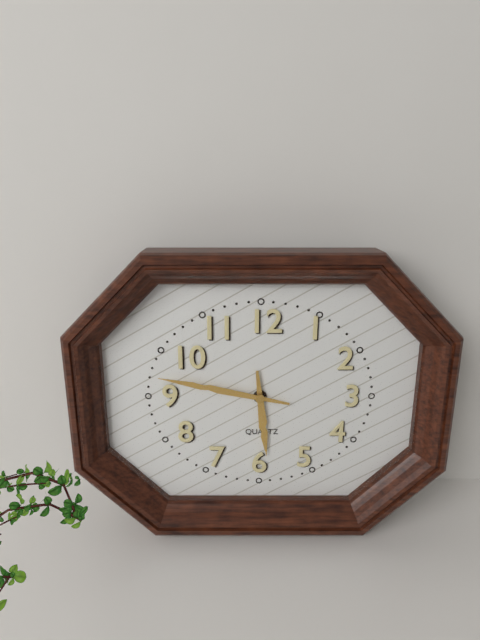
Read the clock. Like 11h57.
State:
5h47
